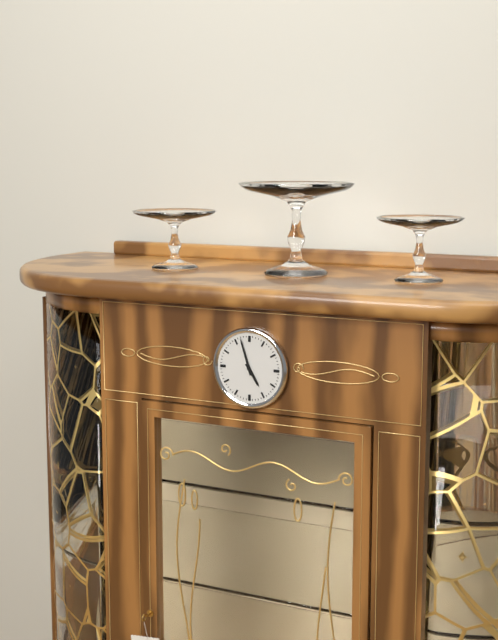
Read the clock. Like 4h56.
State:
4h57
